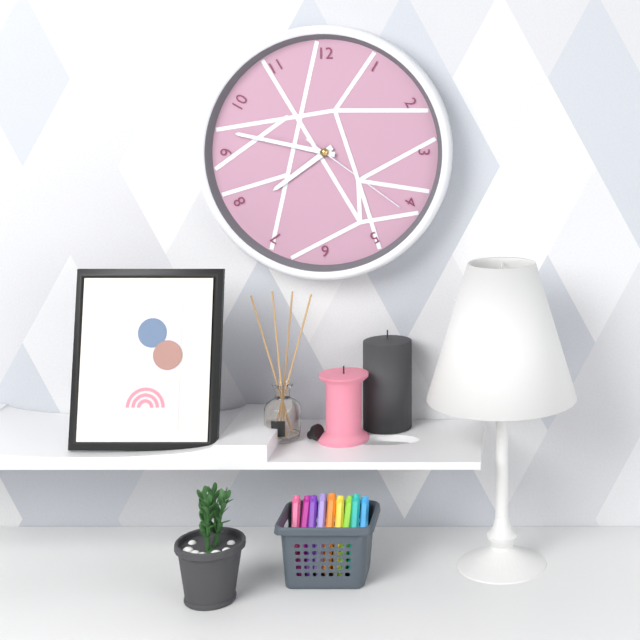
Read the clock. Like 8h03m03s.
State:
7h47m21s
